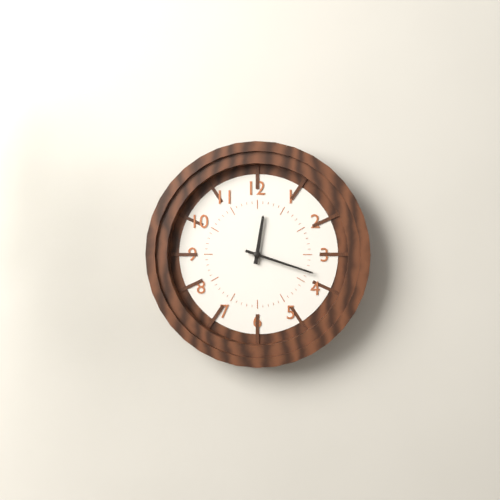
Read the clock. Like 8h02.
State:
12h18
